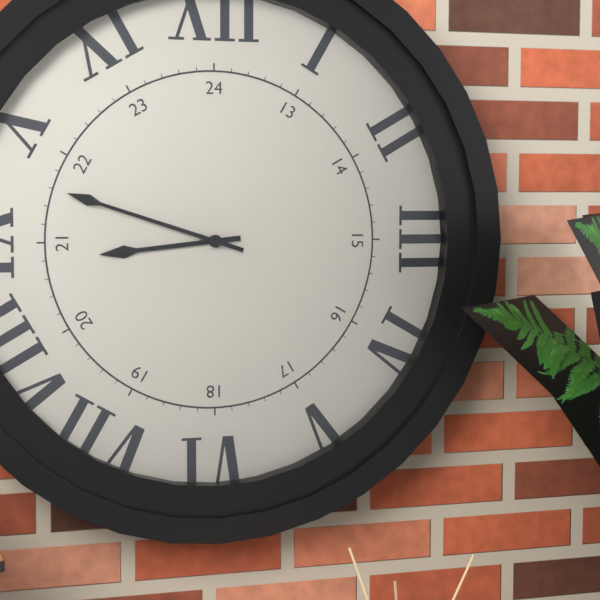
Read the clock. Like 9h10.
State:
8h48
